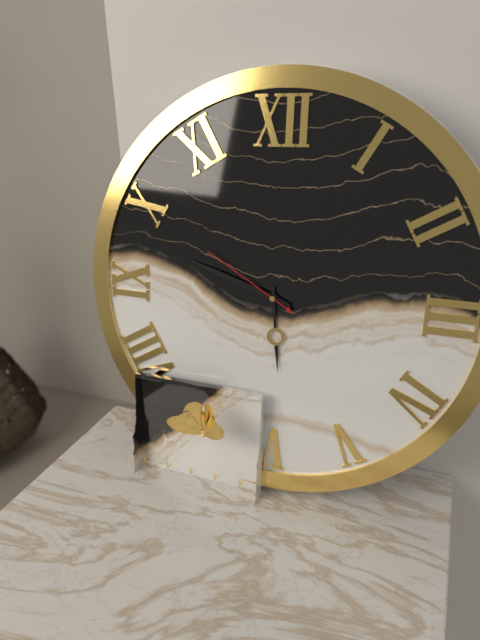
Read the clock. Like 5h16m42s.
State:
5h48m50s
